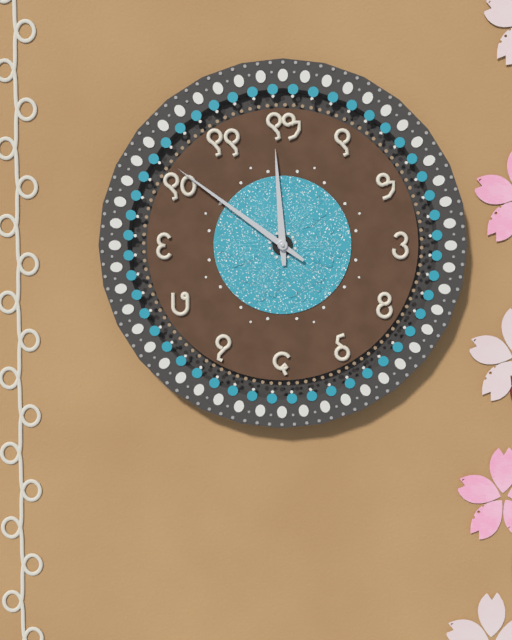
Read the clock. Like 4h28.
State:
11h51
